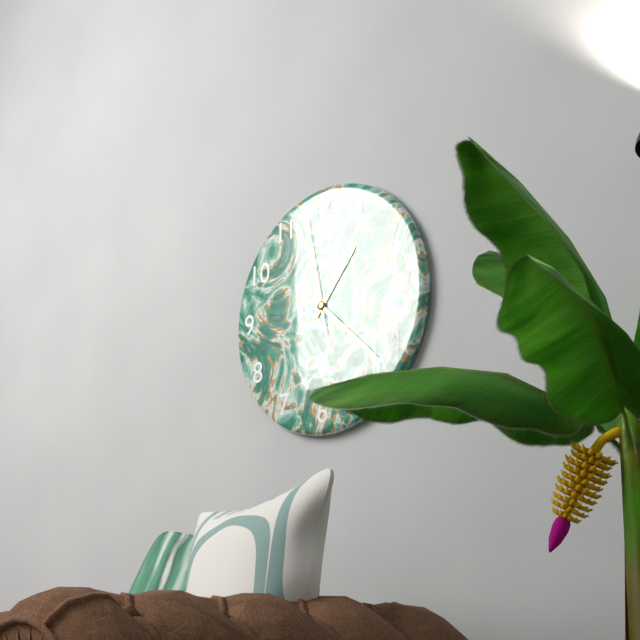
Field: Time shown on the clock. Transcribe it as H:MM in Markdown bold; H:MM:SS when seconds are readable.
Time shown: **1:22:58**
